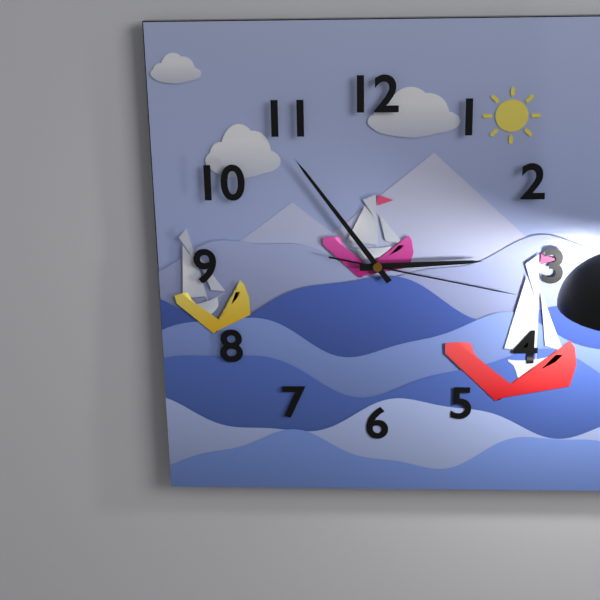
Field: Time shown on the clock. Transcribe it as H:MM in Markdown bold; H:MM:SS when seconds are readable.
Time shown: **2:54:17**
